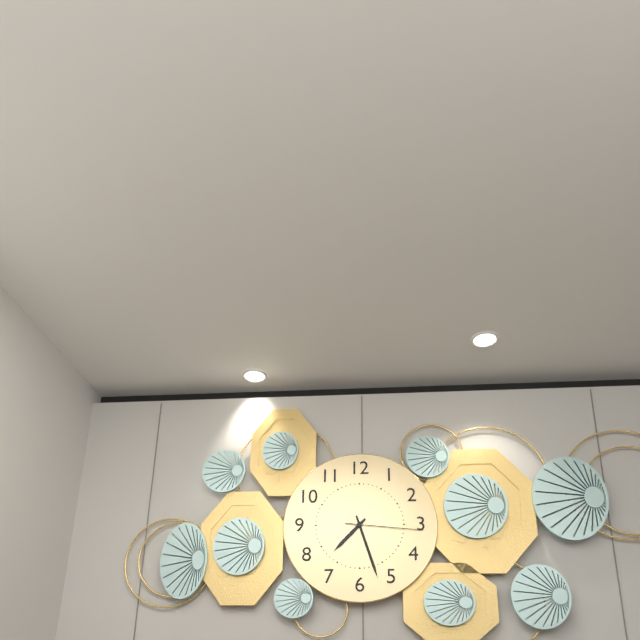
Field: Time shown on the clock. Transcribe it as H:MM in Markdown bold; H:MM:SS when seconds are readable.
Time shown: **7:27:16**
